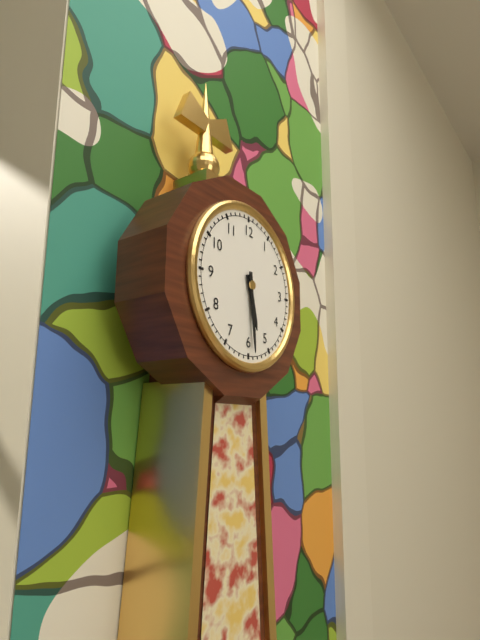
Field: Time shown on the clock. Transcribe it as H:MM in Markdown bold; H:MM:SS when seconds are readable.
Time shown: **5:29**
